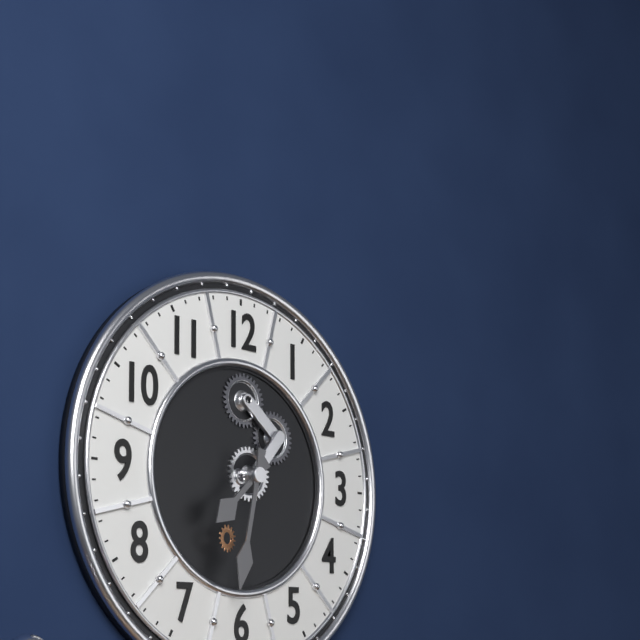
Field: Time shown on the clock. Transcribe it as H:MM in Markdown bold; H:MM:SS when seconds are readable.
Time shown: **7:32**
